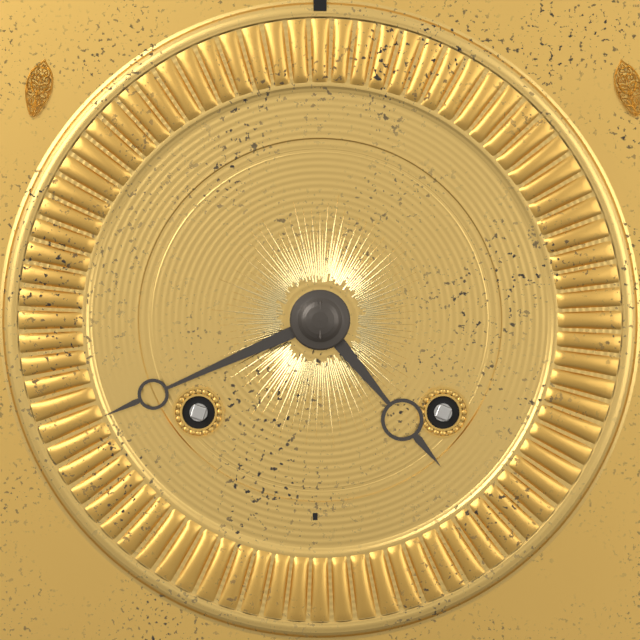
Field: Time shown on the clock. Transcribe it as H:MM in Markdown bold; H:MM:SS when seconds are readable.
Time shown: **4:41**
